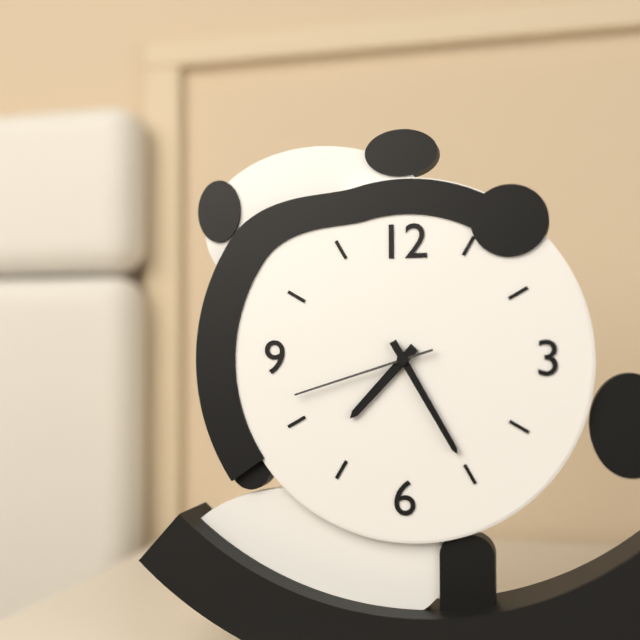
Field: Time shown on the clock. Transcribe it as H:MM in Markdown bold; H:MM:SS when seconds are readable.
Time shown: **7:25:42**
